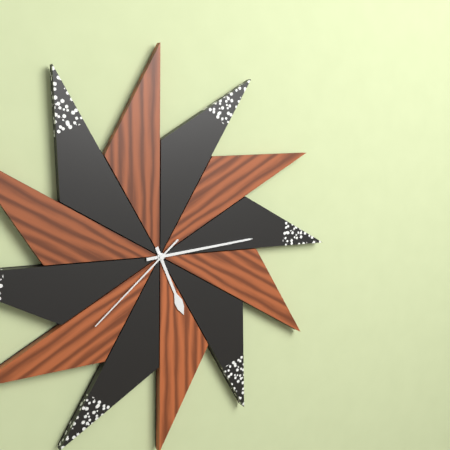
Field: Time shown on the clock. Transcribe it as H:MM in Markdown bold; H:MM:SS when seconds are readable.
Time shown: **5:14:38**
